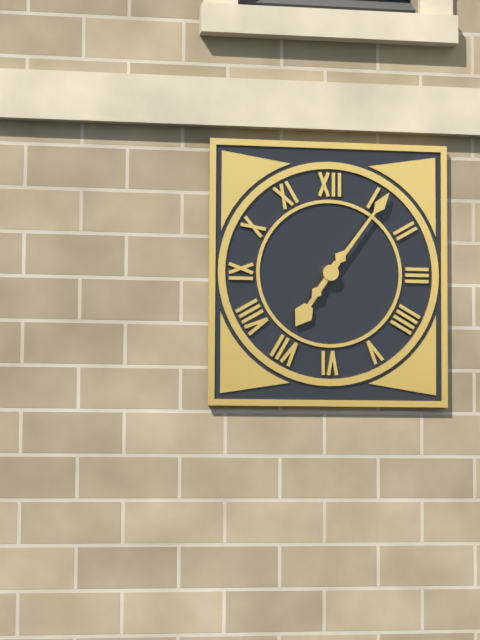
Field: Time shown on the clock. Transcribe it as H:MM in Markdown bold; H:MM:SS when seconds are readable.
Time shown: **7:06**
